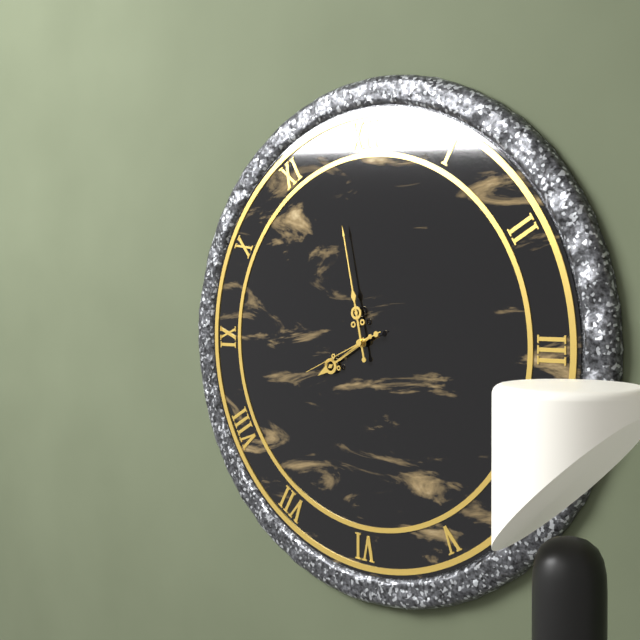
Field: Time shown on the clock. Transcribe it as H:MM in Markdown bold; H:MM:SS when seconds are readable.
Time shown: **7:58:41**
